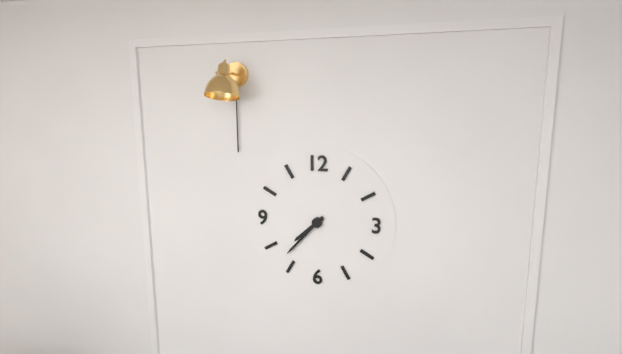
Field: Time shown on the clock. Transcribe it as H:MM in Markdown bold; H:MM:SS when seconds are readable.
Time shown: **7:37**
